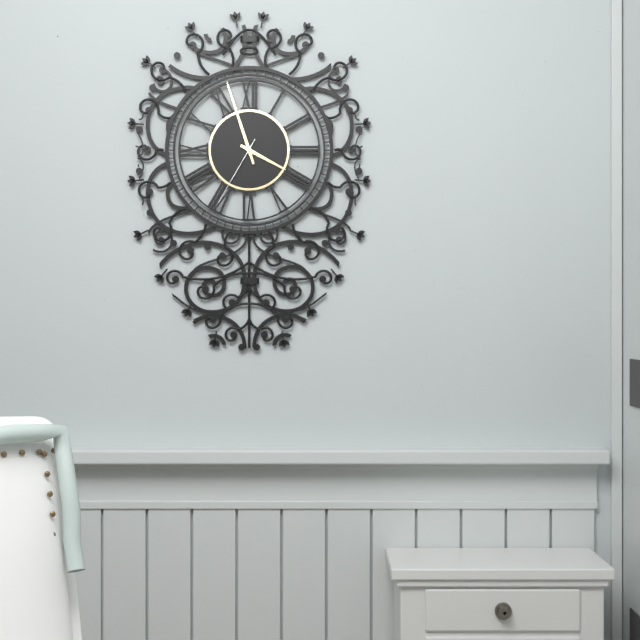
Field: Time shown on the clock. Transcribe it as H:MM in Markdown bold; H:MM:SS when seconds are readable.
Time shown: **3:57:35**
